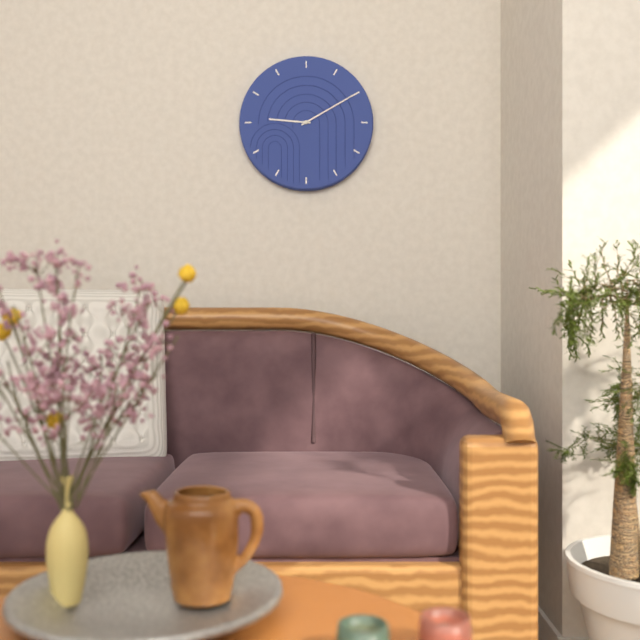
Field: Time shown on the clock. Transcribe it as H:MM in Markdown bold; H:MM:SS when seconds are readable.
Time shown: **9:10**
